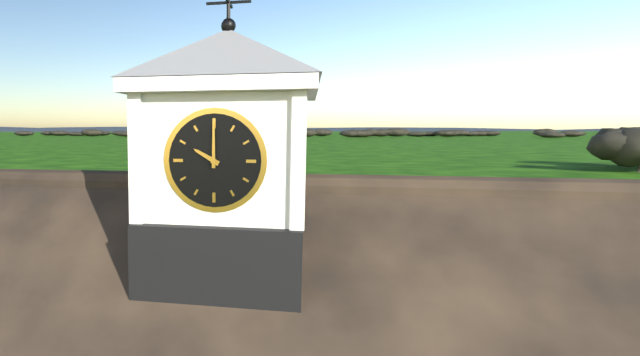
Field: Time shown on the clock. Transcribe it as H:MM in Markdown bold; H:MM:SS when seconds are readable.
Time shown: **10:00**
